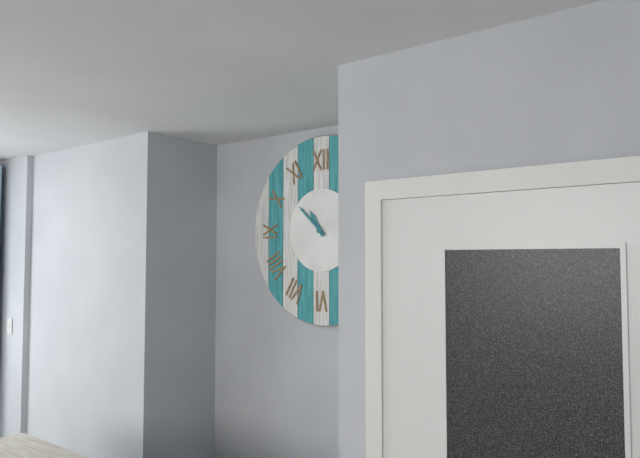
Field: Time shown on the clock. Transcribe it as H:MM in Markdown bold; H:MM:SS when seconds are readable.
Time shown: **10:52**
